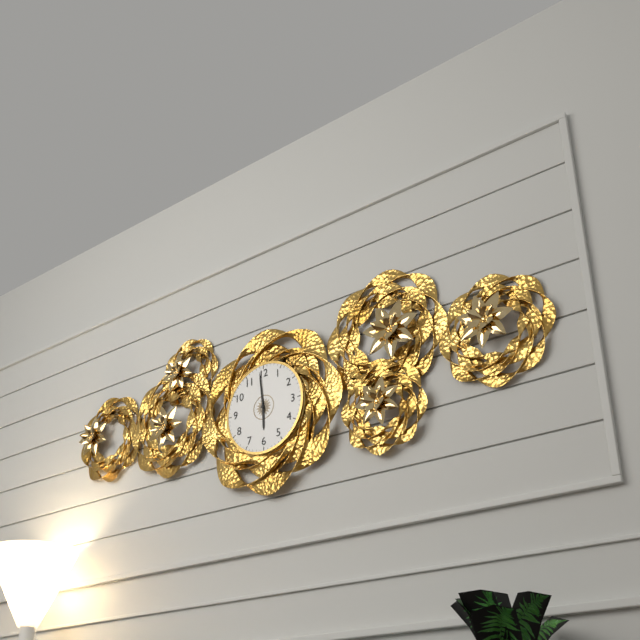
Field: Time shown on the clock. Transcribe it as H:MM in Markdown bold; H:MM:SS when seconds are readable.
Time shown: **5:59**
